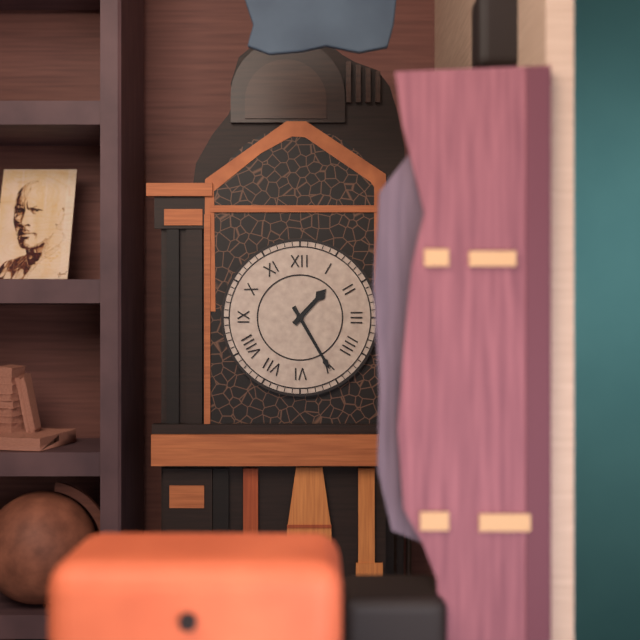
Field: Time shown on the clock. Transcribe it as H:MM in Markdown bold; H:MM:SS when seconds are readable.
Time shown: **1:25**
